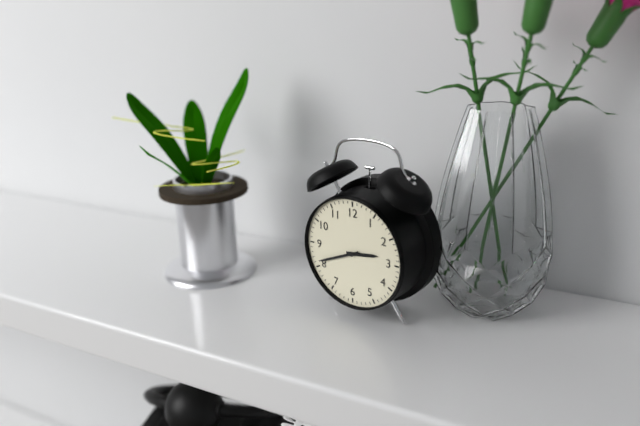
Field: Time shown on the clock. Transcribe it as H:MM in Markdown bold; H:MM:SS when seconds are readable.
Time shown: **2:41**
